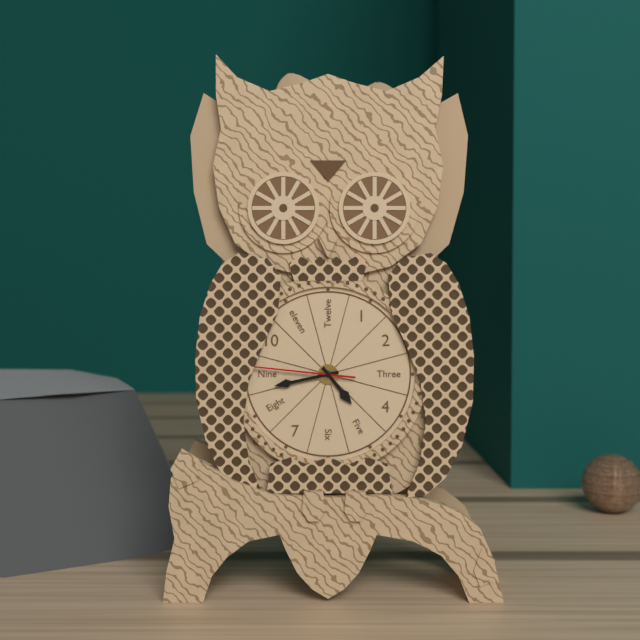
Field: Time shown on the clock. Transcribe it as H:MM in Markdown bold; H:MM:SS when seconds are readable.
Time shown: **4:43:46**
